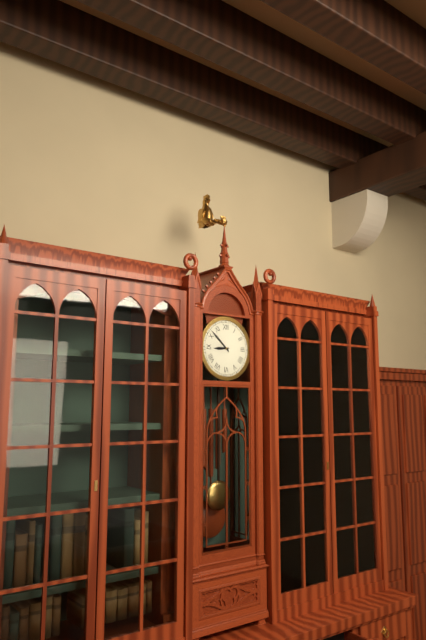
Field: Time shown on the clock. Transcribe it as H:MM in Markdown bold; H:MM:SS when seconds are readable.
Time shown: **8:52**
